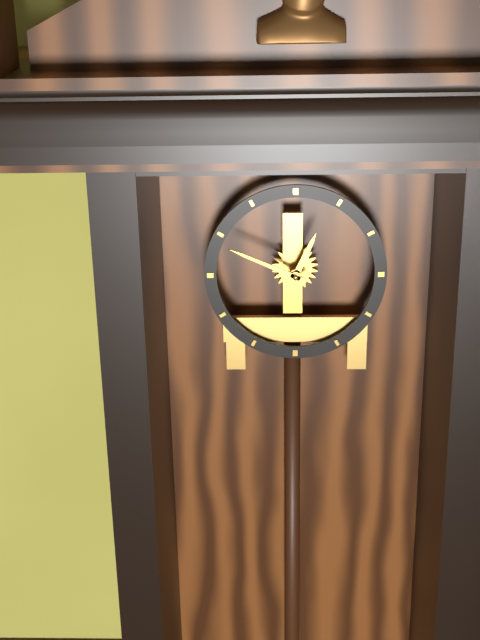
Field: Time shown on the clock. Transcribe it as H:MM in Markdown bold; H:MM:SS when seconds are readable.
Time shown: **12:49**
